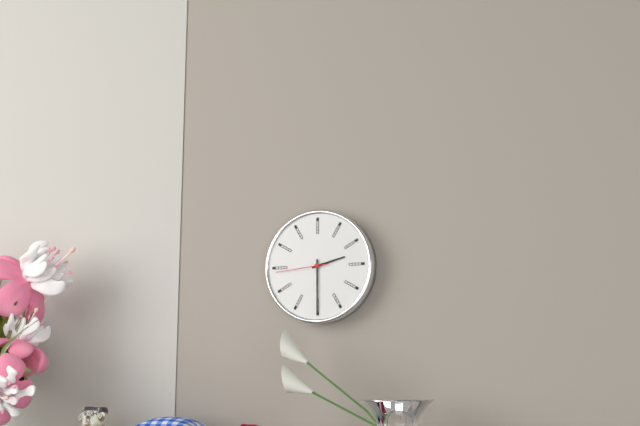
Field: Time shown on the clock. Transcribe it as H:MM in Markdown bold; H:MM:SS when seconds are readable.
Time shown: **2:30:44**
